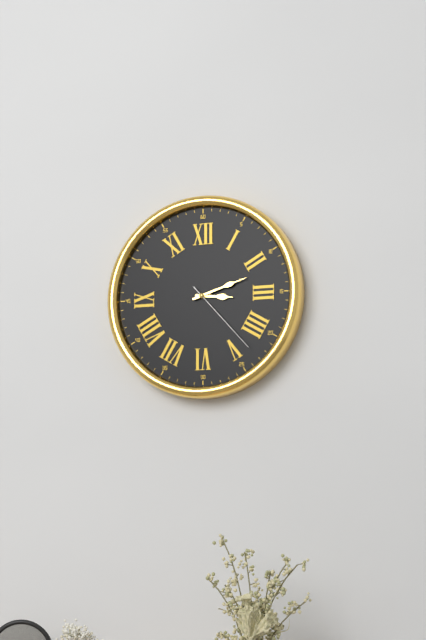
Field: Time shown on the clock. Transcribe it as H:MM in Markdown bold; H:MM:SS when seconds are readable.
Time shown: **3:12:23**
